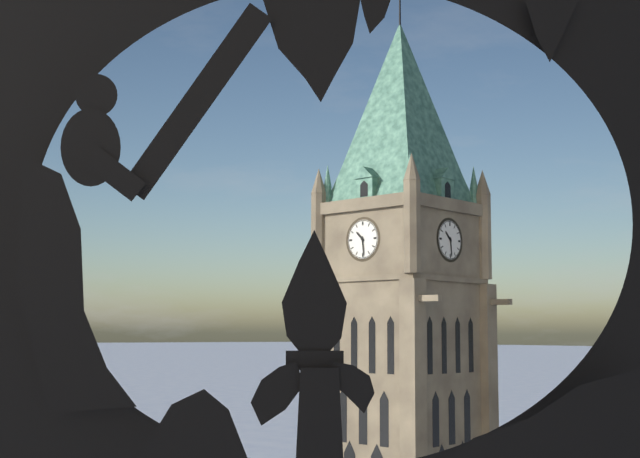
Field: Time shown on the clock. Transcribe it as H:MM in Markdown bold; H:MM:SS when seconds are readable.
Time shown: **10:29**
